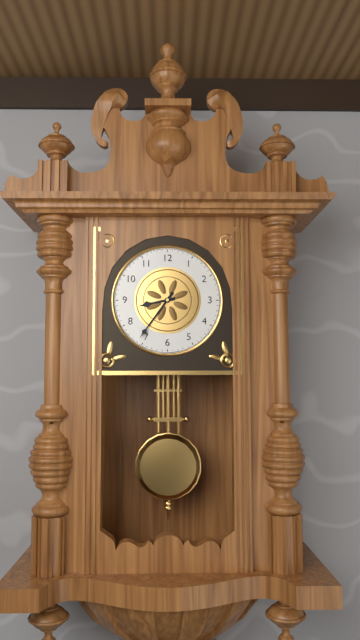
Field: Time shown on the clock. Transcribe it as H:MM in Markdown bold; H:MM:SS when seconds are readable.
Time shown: **8:36**
